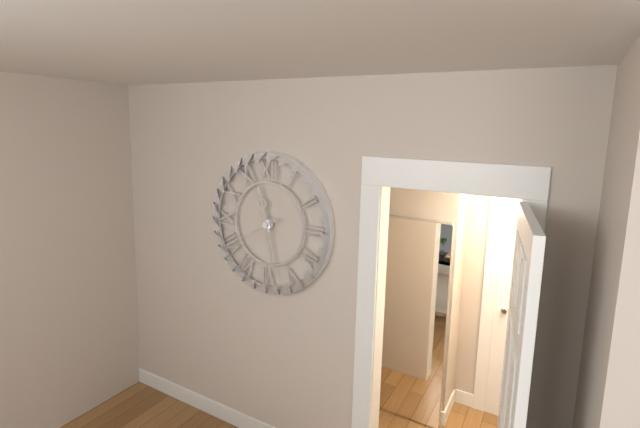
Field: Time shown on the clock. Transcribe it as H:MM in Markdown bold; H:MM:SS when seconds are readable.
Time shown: **11:28:40**
